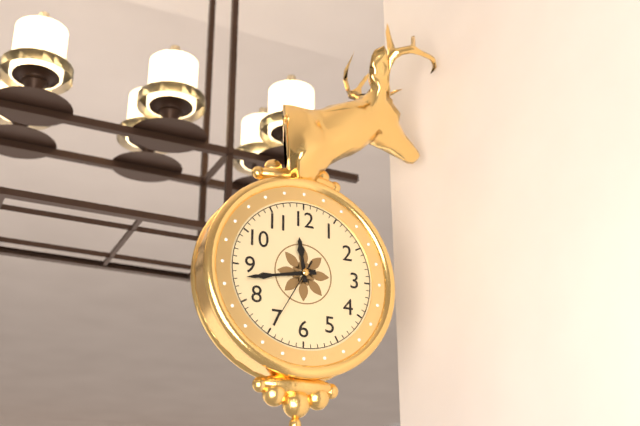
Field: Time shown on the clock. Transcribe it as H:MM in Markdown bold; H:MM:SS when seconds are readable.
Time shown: **11:43:35**
